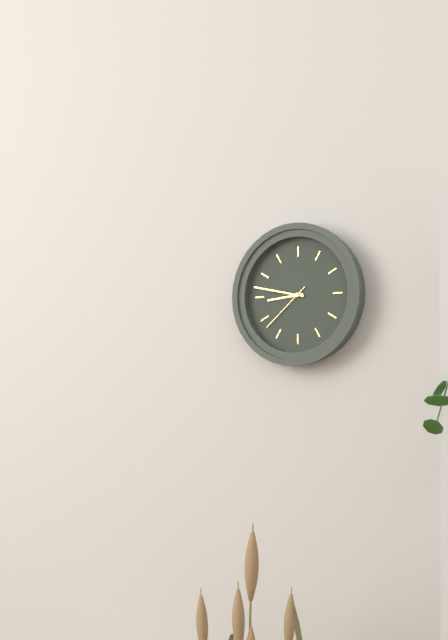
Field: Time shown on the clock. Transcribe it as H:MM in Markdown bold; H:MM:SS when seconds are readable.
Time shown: **8:47:38**
